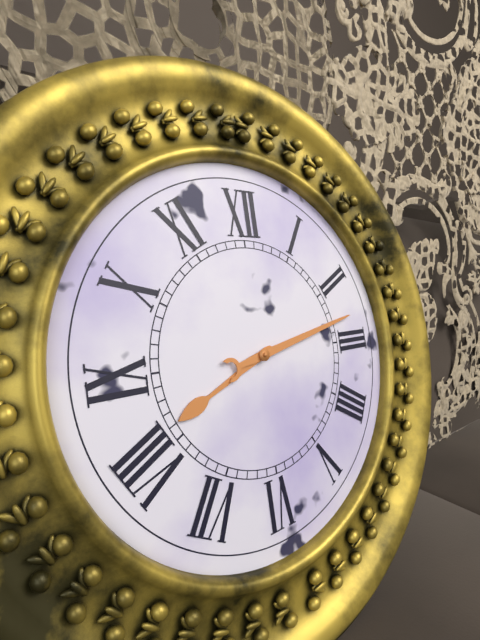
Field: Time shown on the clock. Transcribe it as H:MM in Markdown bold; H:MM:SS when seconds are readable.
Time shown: **8:13**
